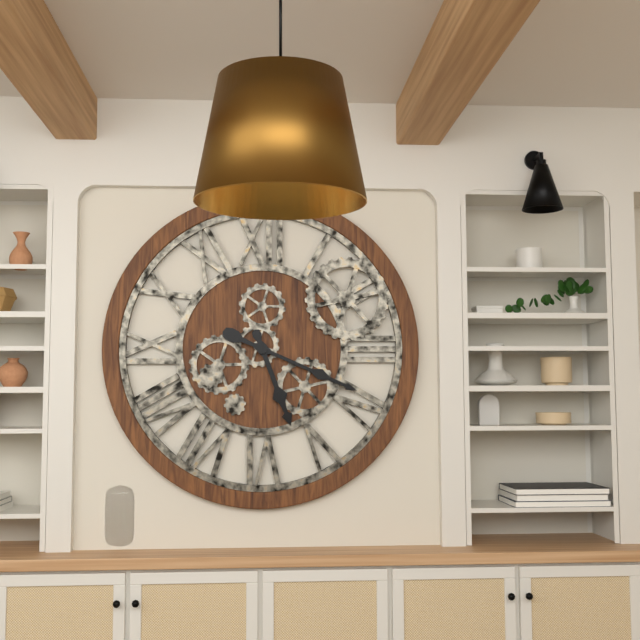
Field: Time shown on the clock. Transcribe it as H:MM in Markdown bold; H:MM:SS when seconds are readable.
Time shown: **5:19**
